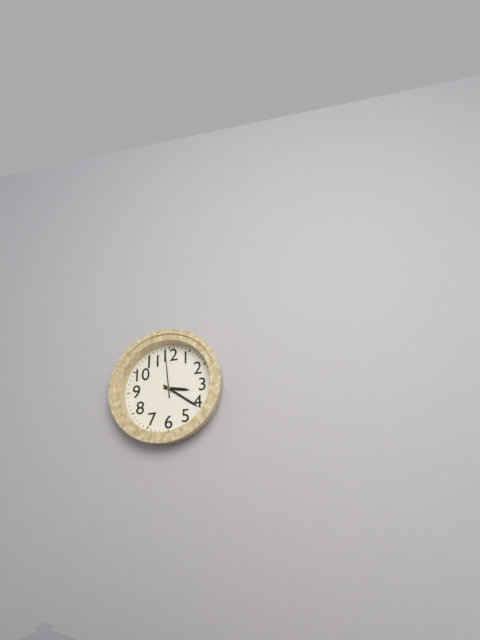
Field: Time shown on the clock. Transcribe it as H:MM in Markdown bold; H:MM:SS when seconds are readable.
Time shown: **3:21**
